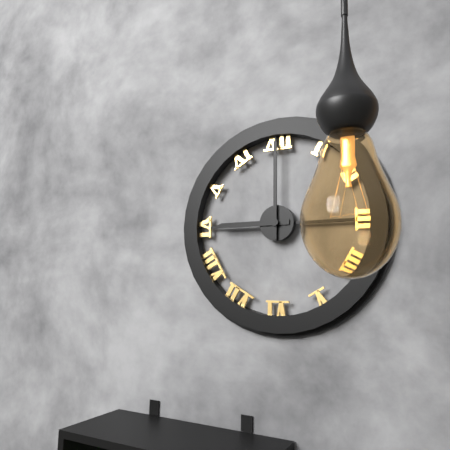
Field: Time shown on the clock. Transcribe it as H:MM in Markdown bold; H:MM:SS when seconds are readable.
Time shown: **9:00**
